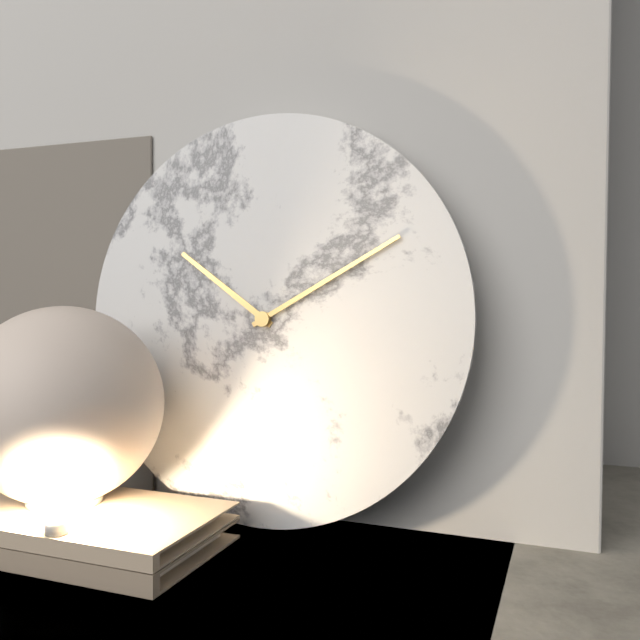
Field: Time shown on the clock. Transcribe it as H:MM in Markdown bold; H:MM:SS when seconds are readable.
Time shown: **10:10**
